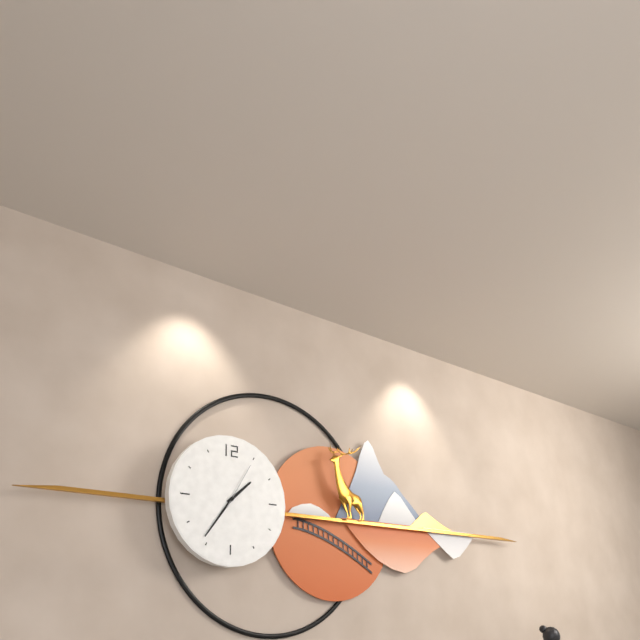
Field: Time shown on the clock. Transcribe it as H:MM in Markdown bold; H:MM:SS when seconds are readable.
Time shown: **1:36**
